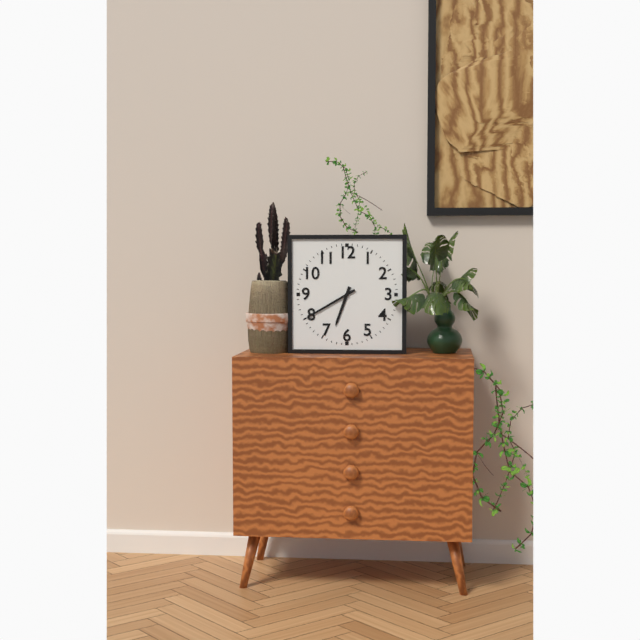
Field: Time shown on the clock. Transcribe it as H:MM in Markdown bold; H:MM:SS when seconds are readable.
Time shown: **6:40**
